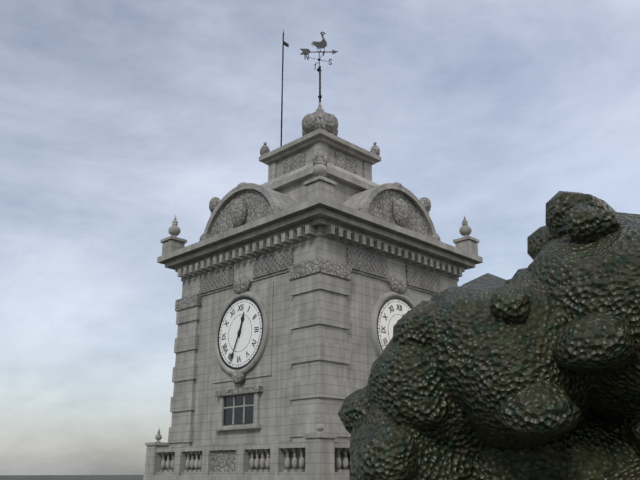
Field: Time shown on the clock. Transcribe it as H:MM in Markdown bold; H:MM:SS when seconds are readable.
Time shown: **12:34**
